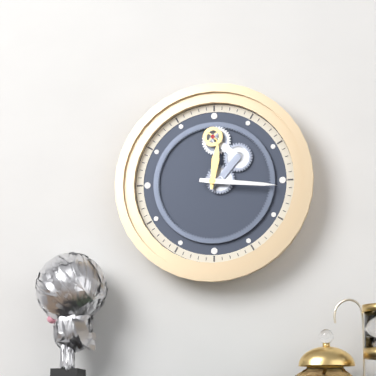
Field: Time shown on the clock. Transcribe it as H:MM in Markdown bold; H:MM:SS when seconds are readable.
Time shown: **12:16**
